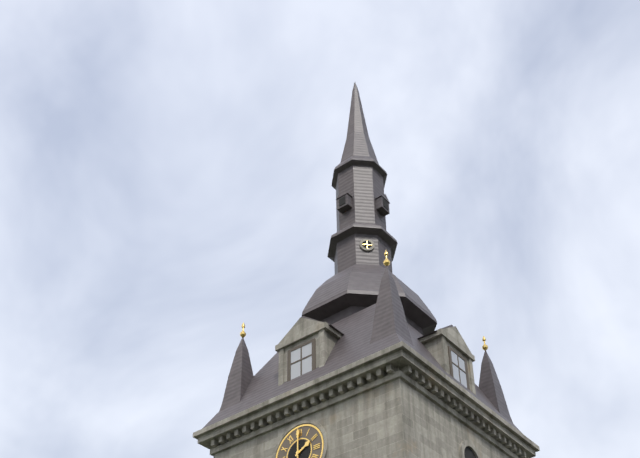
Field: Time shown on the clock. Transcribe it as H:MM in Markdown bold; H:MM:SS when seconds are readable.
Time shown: **2:00**
